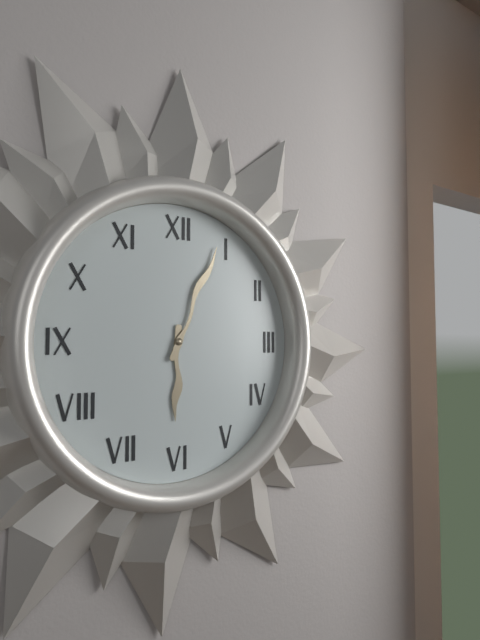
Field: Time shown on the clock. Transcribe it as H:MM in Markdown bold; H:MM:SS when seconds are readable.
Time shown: **6:04**
